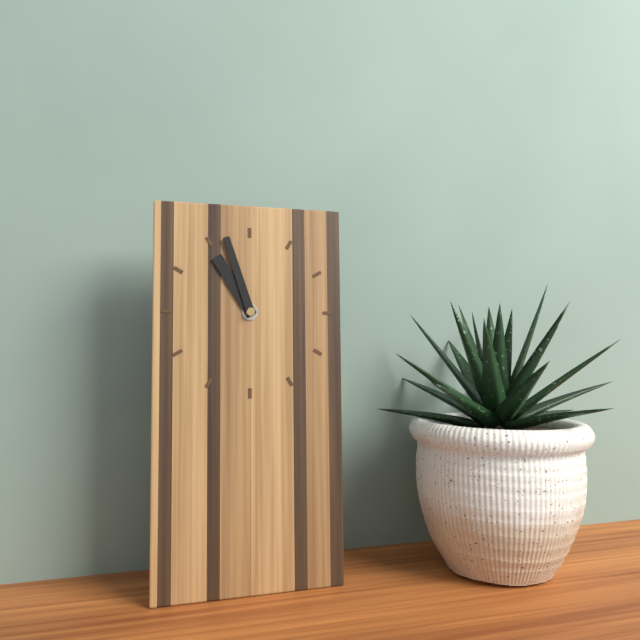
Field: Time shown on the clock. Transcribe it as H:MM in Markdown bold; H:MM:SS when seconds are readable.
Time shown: **10:57**
